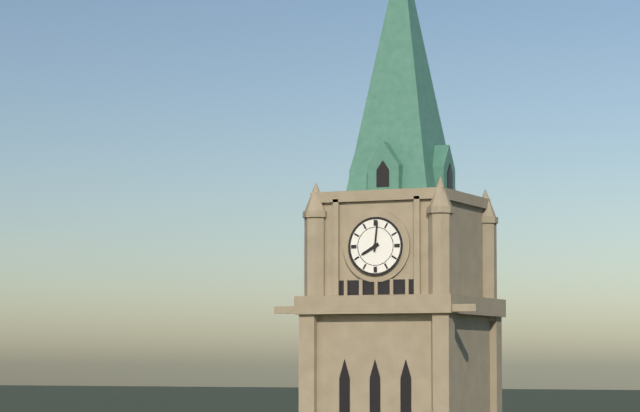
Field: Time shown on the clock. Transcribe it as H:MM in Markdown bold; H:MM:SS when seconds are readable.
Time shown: **8:01**
